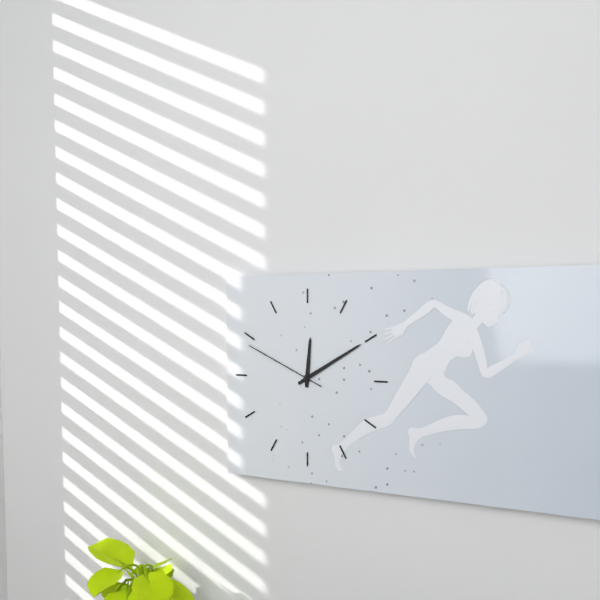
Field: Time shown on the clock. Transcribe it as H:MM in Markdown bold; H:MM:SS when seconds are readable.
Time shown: **12:10:49**
